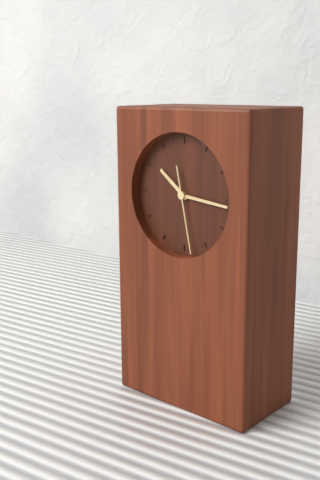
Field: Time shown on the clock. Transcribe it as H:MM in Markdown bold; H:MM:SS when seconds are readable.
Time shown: **10:16:28**
